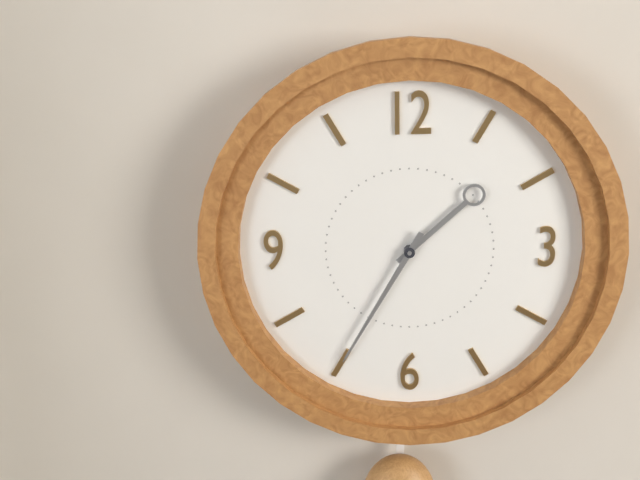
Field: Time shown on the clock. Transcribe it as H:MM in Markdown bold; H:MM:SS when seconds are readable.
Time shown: **1:35**
